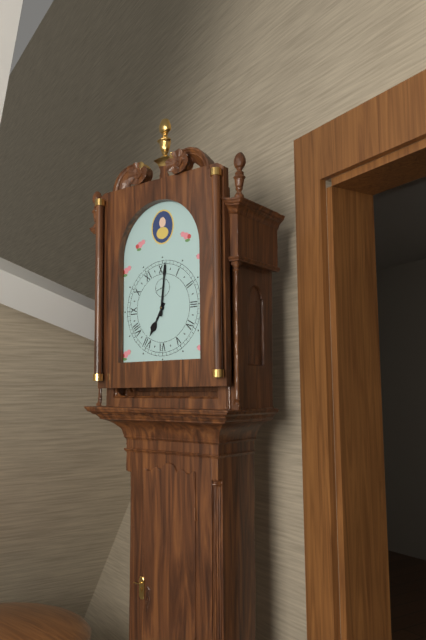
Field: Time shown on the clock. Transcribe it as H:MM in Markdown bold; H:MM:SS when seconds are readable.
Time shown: **7:01**
